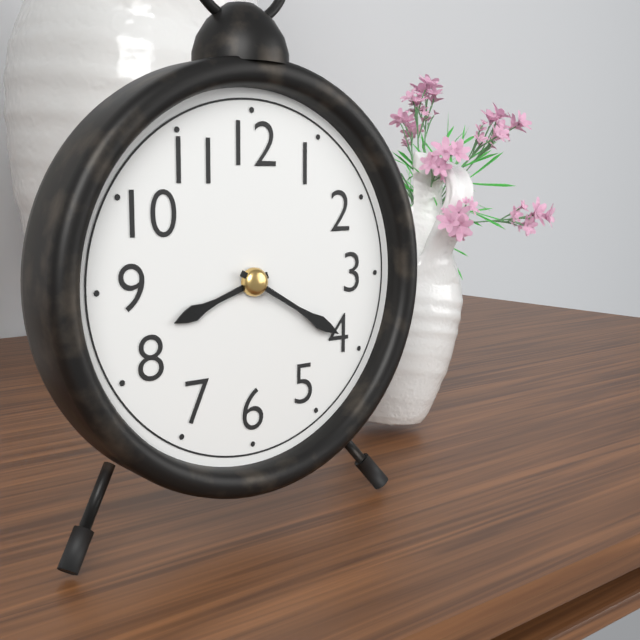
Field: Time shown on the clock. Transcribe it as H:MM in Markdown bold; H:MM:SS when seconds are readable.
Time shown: **8:20**
